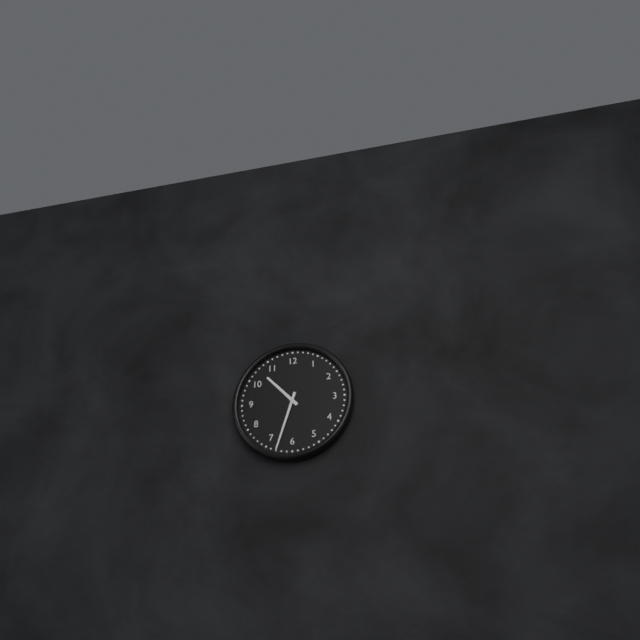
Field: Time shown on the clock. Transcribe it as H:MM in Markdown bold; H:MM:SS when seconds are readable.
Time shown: **10:33**
